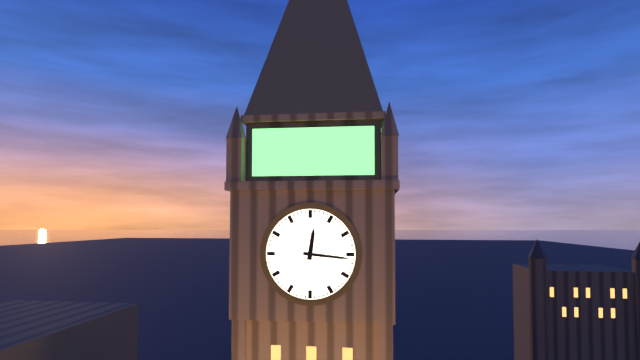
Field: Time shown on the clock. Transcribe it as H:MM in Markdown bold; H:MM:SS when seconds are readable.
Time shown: **12:16**
